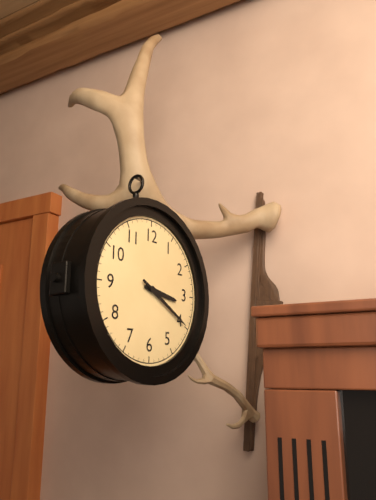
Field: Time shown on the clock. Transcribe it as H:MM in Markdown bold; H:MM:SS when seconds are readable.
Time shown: **3:20**
